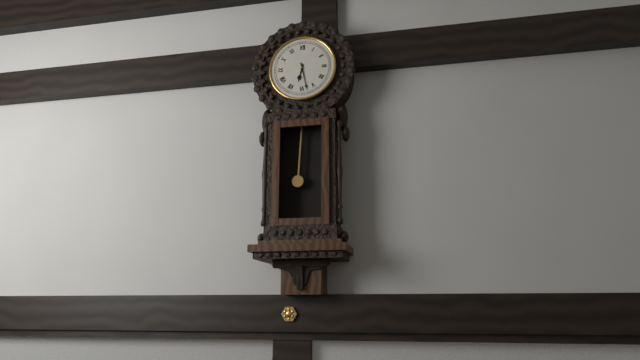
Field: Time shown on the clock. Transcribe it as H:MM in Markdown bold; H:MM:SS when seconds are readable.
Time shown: **6:28**
